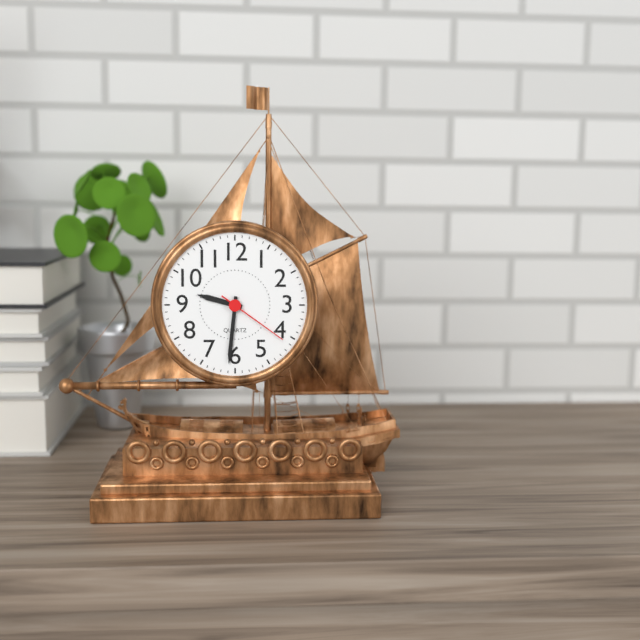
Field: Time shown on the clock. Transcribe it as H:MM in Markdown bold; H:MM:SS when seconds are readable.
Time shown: **9:31:21**
